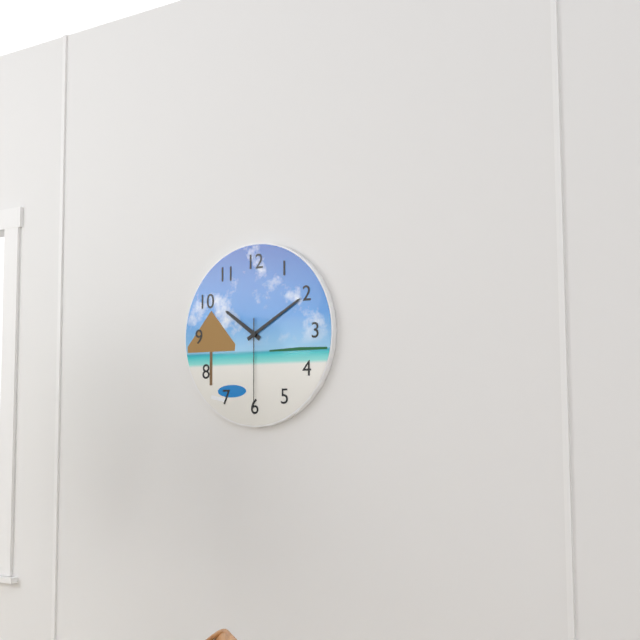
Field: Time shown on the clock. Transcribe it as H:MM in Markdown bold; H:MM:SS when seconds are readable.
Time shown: **10:10:30**
